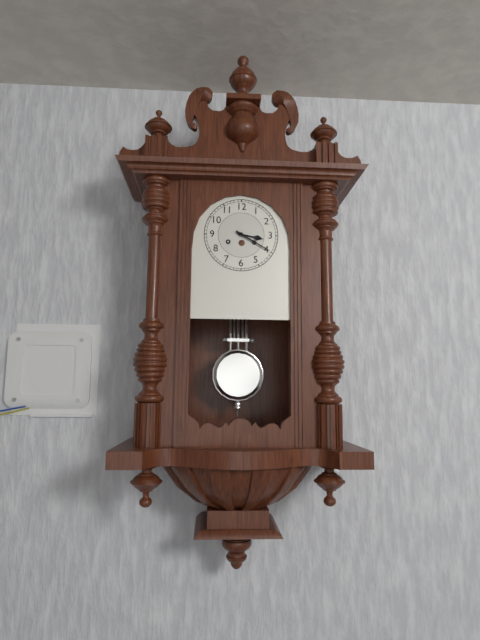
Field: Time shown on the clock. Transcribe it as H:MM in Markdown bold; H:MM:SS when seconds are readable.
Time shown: **3:20**
